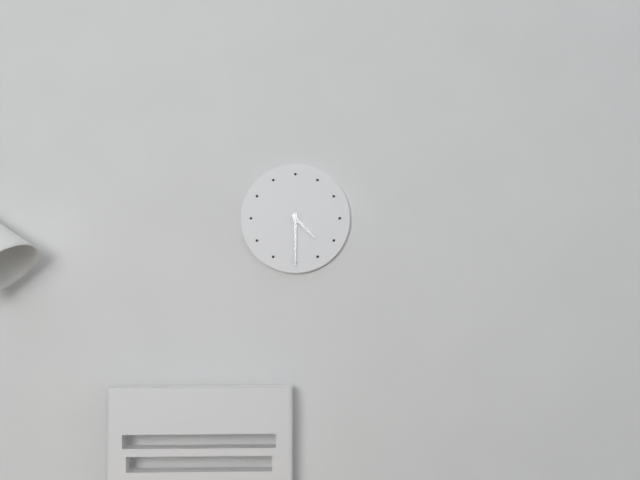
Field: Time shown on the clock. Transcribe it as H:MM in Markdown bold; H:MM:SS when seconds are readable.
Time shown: **4:30**
